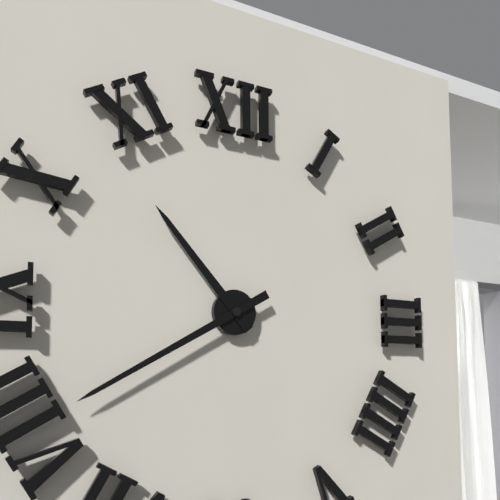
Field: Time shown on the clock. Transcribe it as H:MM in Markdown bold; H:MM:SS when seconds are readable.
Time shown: **10:40**
